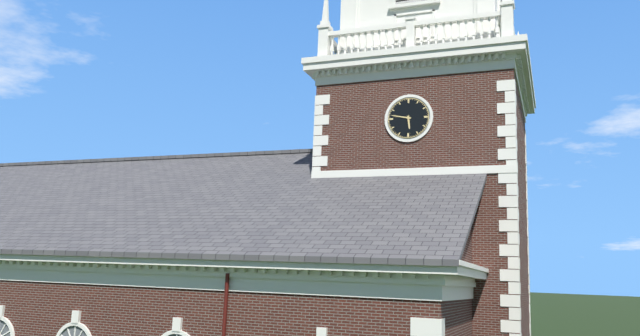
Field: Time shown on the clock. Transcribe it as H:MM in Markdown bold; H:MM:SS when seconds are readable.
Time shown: **5:47**
